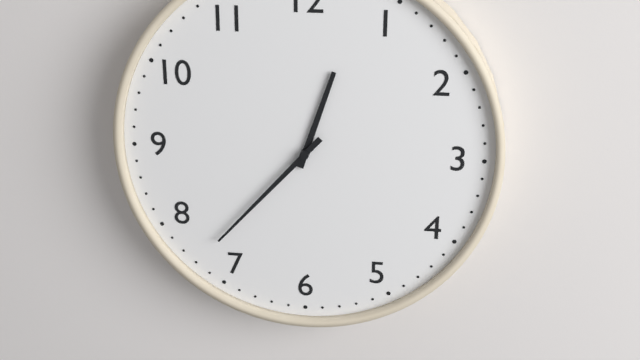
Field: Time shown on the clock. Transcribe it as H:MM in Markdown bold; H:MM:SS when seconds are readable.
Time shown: **12:37**
